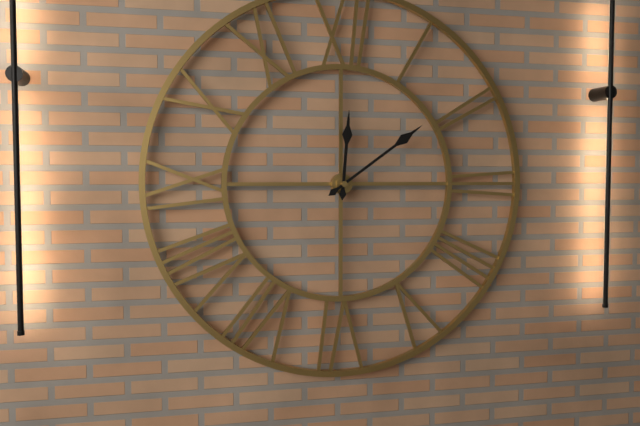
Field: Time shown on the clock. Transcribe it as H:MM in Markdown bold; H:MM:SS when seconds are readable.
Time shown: **12:09**
